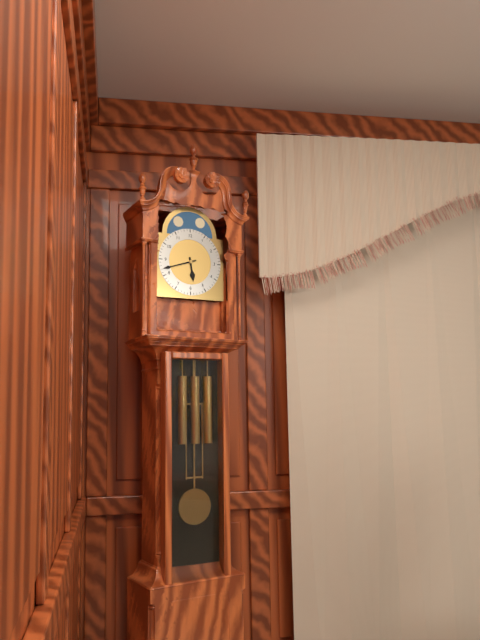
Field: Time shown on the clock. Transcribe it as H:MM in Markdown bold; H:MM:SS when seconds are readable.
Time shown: **5:42**
